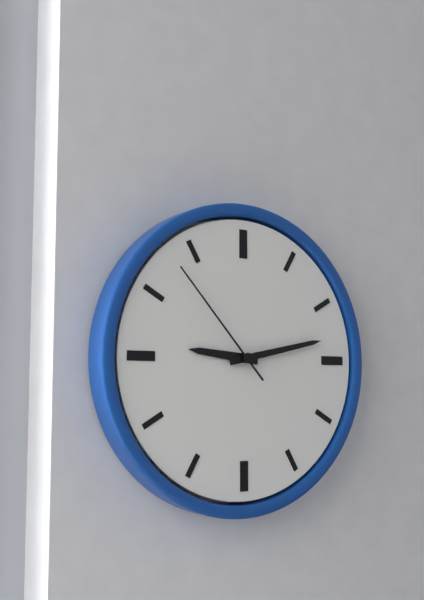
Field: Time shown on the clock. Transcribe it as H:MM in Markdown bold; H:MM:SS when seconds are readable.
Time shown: **9:13:53**
